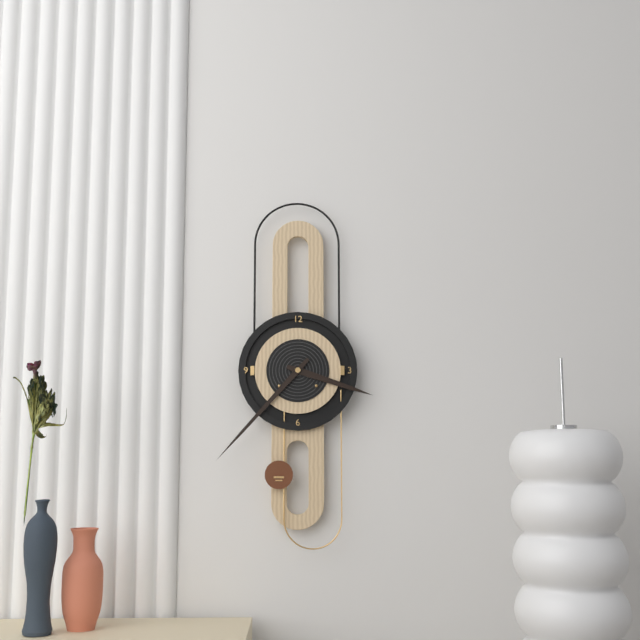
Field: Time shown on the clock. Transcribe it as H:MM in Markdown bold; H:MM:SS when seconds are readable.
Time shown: **3:37**
